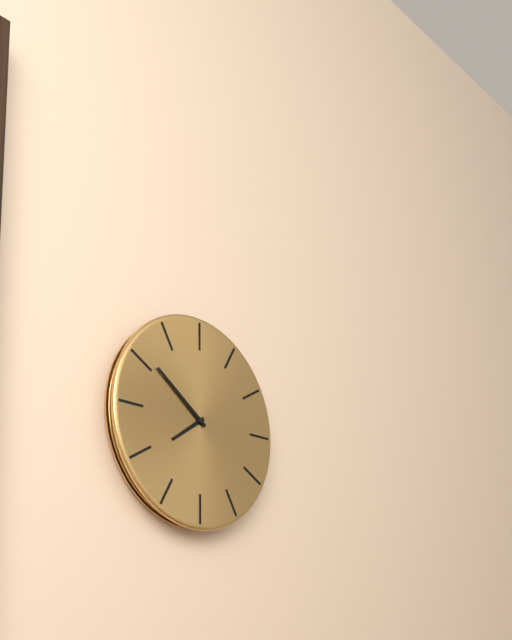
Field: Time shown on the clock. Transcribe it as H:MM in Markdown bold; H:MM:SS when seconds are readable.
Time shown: **7:51**
